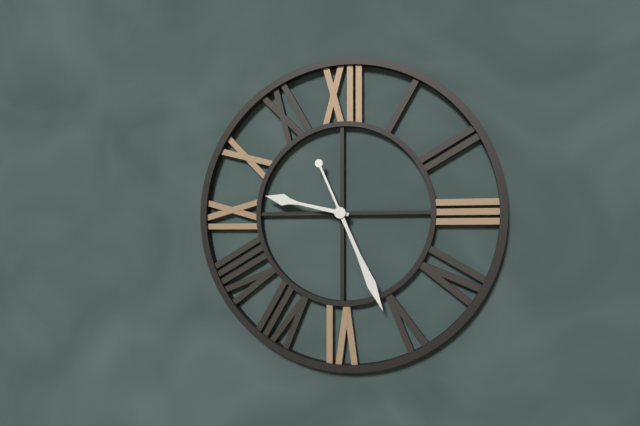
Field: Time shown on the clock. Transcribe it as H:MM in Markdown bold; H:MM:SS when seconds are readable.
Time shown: **9:26**
